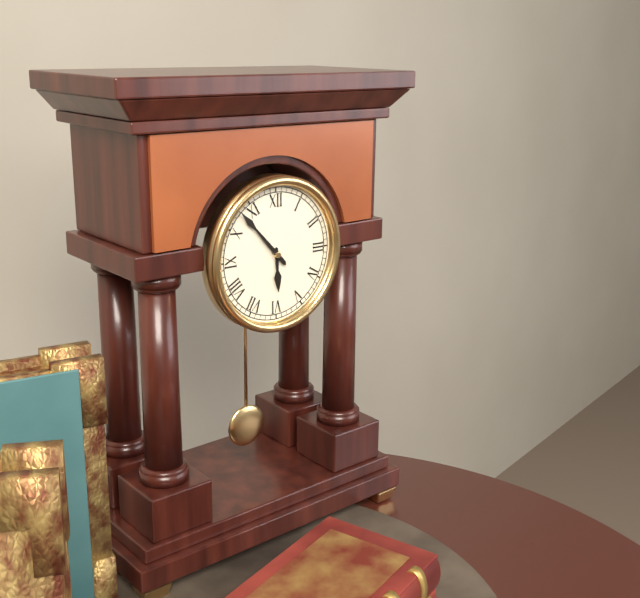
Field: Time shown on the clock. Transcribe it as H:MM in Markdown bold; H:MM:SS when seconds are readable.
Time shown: **5:53**
